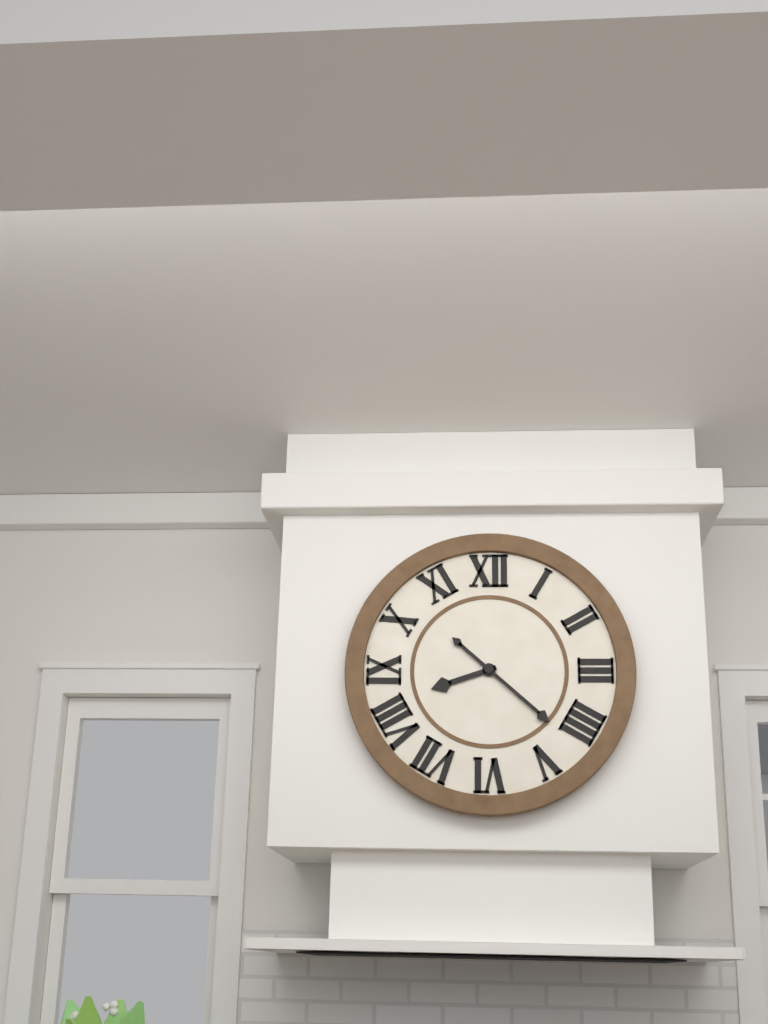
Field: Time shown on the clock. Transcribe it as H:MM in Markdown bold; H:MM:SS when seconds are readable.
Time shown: **8:22**
